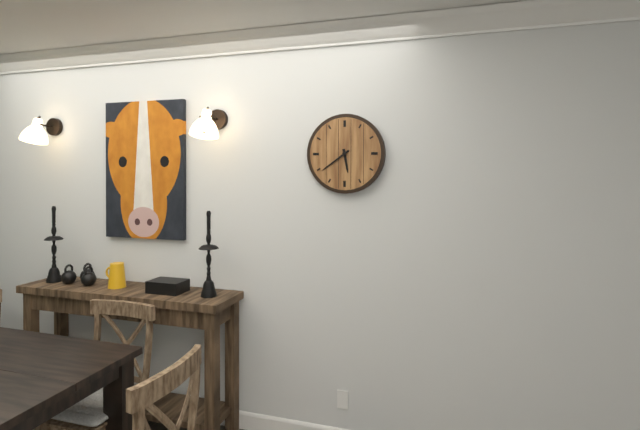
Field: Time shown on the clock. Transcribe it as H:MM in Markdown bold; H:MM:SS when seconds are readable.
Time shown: **5:39**
